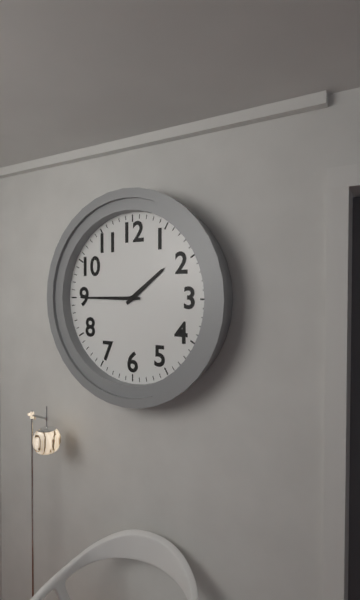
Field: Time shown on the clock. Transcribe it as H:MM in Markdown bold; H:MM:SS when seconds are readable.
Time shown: **1:45**
